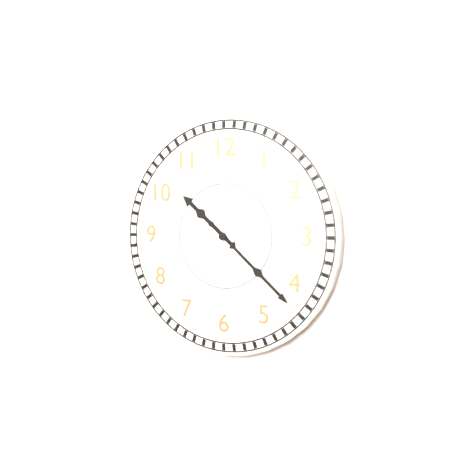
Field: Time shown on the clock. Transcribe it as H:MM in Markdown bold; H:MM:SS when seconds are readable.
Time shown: **10:22**
